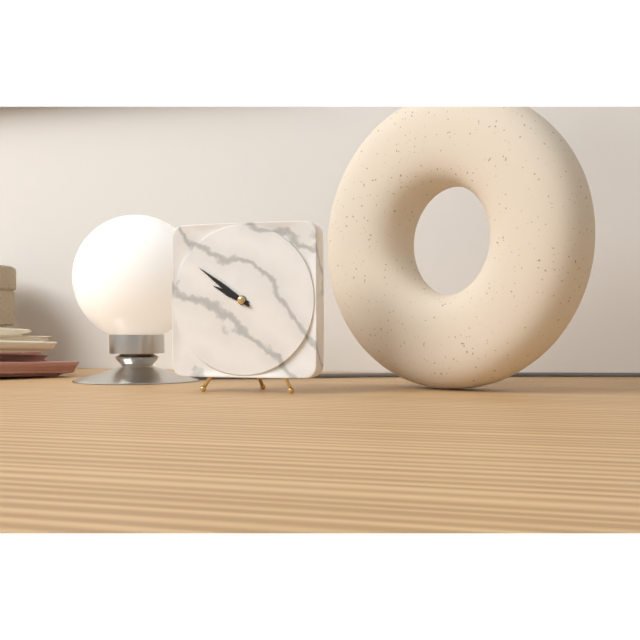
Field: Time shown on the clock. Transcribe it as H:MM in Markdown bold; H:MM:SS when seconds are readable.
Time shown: **9:51**
